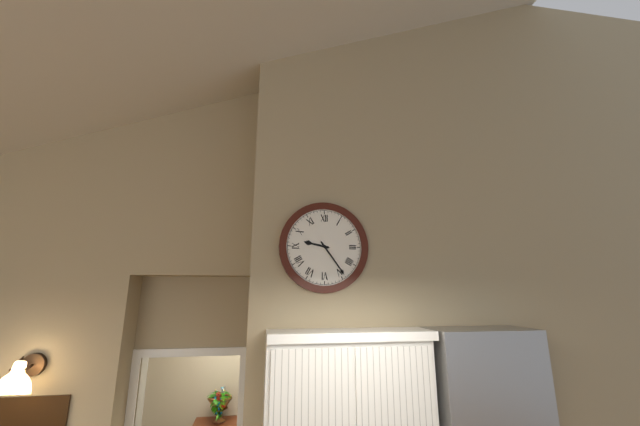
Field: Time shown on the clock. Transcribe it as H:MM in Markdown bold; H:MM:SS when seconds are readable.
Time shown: **9:24**
